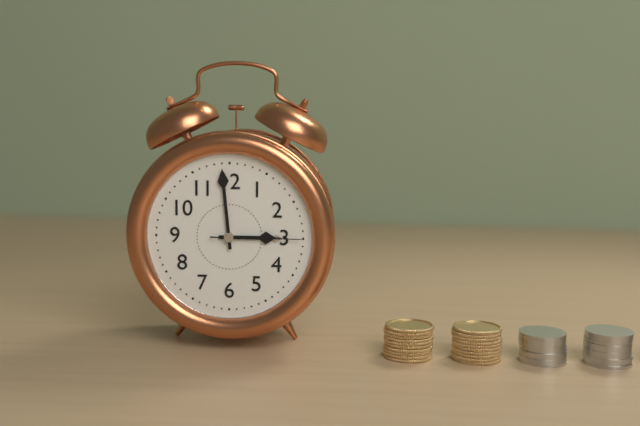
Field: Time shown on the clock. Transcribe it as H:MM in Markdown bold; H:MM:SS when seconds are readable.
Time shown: **2:59:15**
